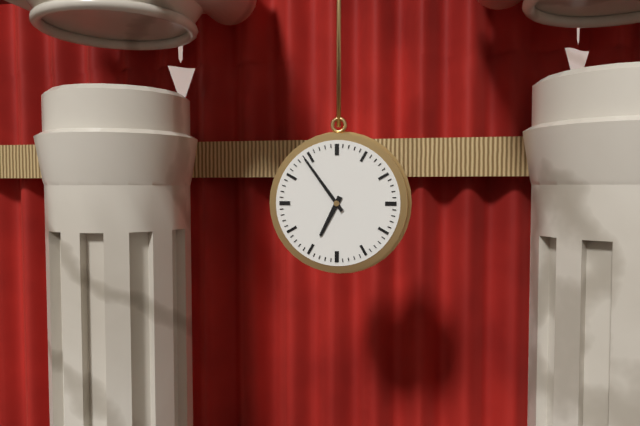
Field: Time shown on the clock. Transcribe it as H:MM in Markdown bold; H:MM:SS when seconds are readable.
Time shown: **6:54**
